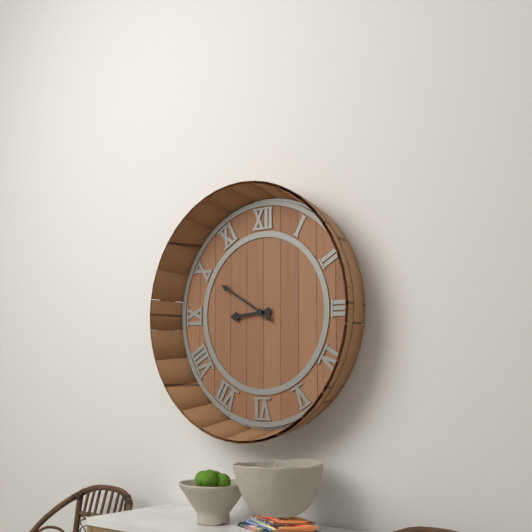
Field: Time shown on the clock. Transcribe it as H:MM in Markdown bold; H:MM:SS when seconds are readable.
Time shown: **8:50**
